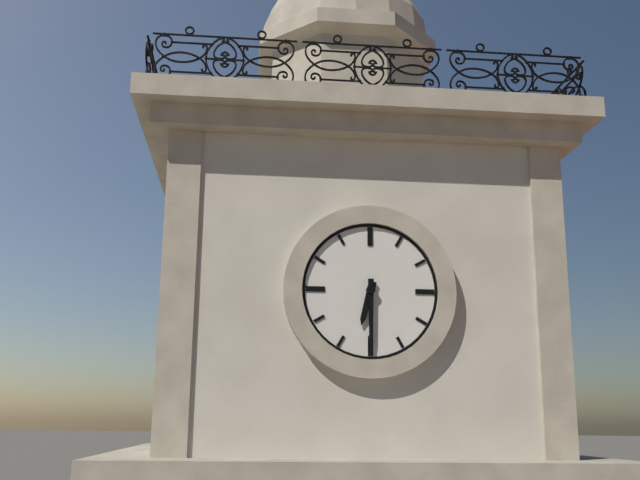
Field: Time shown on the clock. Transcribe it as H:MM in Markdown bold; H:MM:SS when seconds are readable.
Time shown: **6:30**
